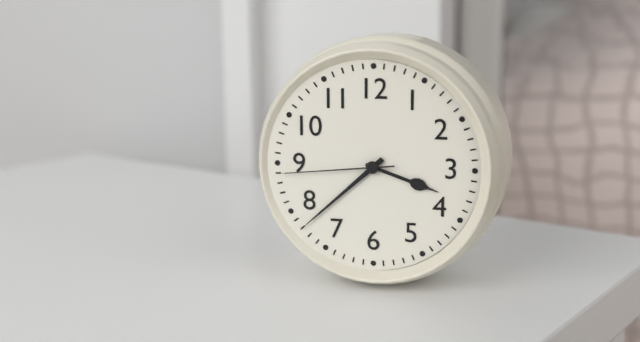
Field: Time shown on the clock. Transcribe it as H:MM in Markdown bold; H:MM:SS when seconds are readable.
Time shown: **3:38:44**
